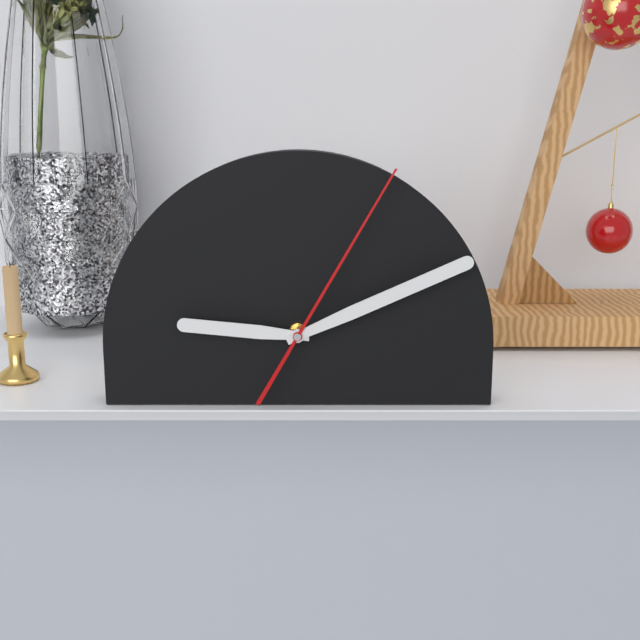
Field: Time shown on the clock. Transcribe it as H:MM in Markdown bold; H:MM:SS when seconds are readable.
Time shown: **9:11:05**
